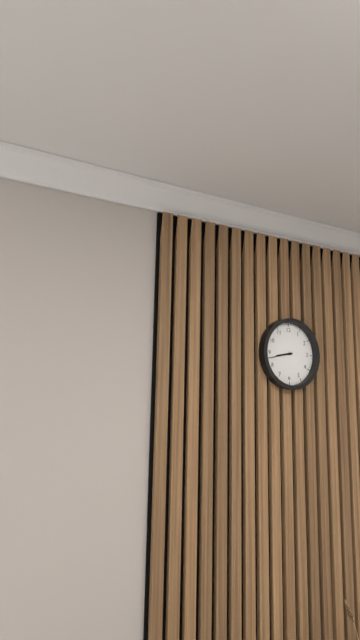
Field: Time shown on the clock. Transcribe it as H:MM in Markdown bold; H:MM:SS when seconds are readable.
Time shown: **8:43**
